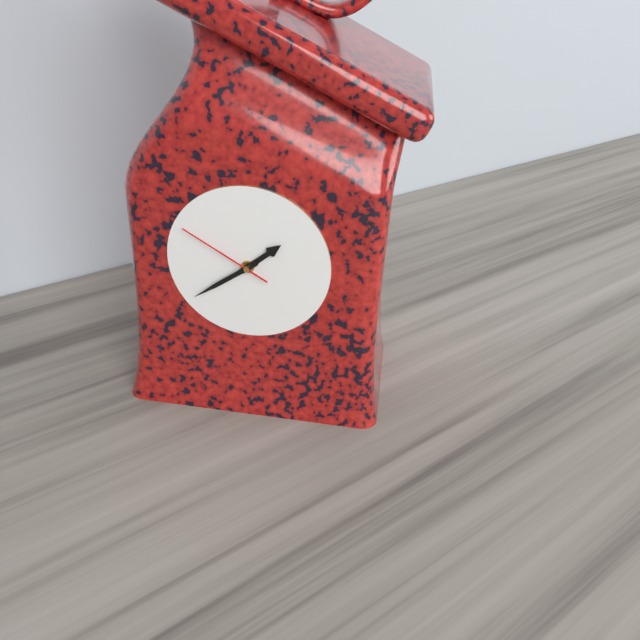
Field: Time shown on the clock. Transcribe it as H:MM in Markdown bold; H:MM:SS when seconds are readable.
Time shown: **1:39:50**
